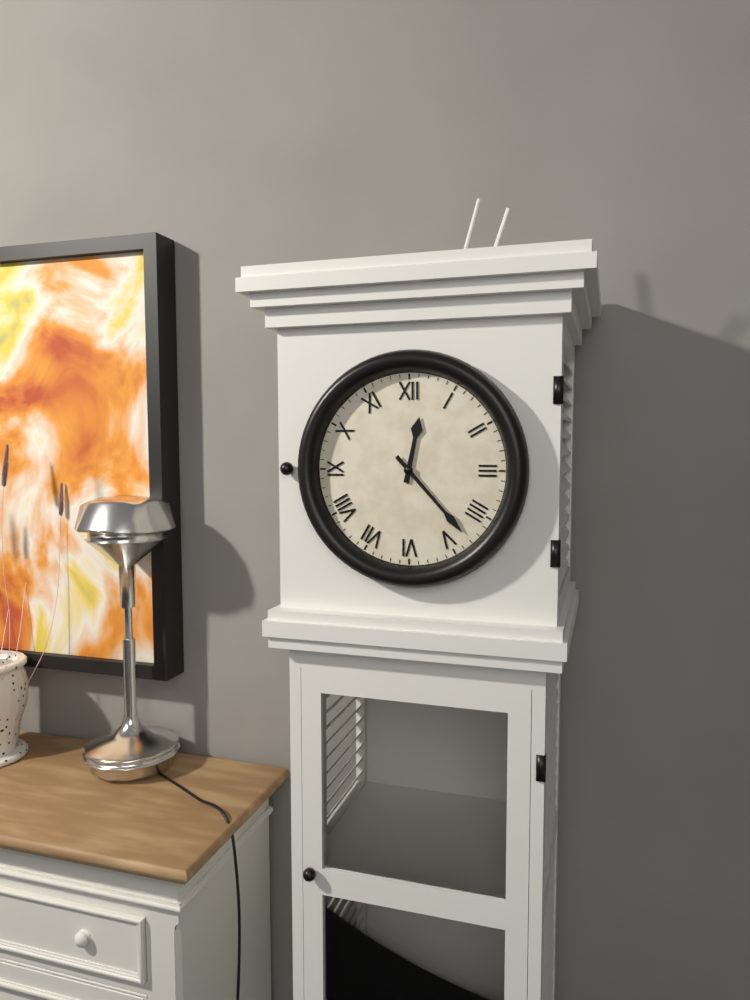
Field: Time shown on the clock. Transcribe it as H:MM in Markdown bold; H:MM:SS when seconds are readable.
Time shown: **12:23**
